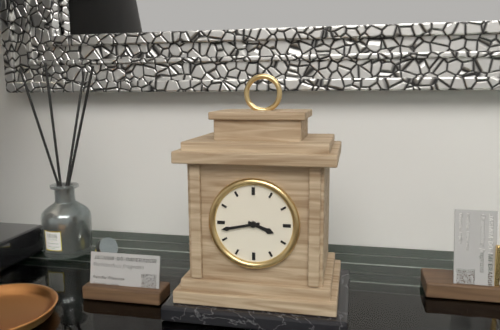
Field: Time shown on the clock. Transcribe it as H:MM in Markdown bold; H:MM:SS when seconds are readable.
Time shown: **3:43**
